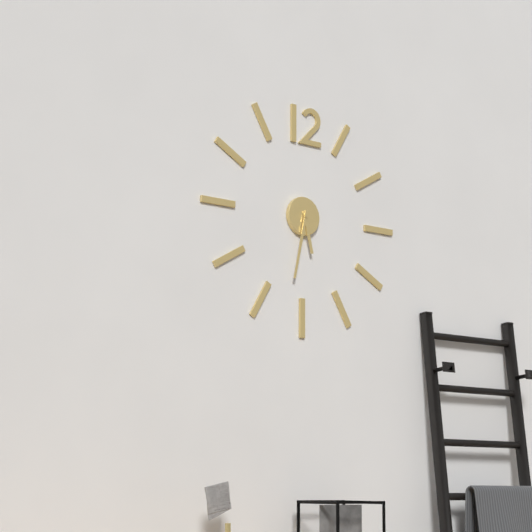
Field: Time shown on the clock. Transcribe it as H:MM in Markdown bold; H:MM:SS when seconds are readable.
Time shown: **5:32**
